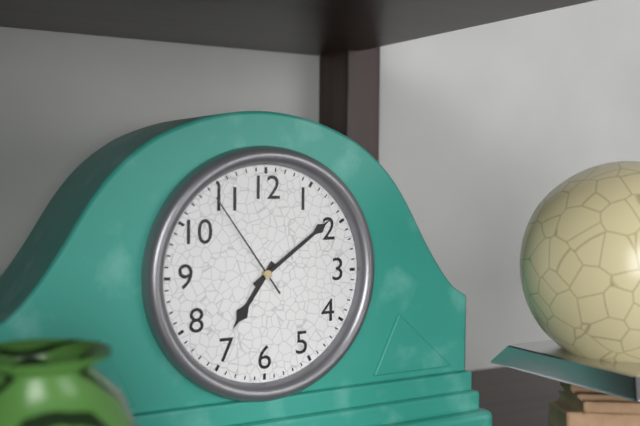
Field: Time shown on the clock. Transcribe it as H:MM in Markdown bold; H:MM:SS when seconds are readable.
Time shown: **7:09:54**
